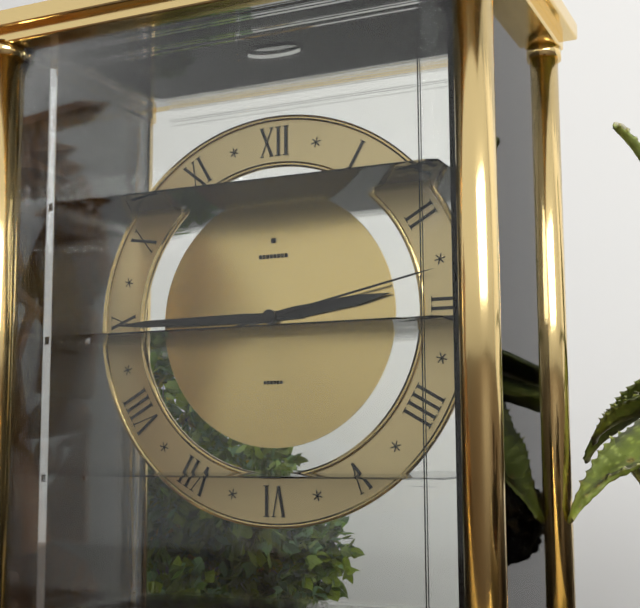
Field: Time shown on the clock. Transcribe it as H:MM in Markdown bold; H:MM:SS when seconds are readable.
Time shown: **2:45:13**
